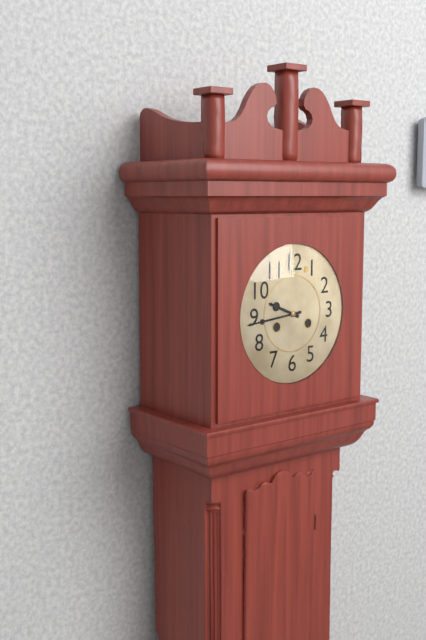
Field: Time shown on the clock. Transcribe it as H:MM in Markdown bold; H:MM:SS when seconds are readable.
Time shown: **9:44**
